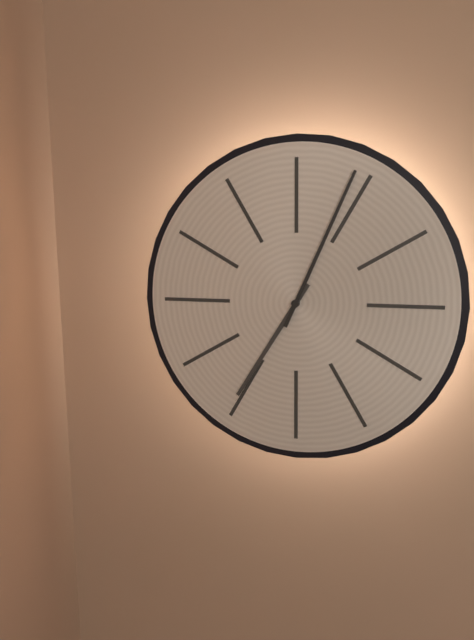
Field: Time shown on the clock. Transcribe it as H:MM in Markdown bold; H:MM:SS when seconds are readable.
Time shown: **7:04**
